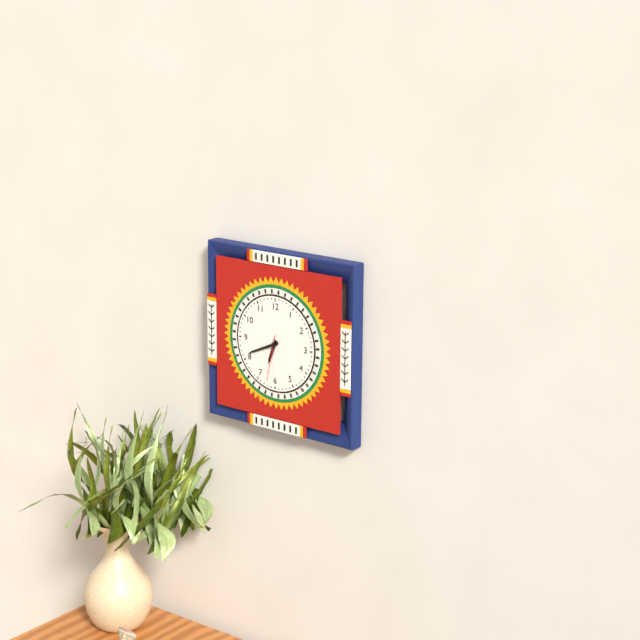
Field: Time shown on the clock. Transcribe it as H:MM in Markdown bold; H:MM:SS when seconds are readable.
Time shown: **6:41**
